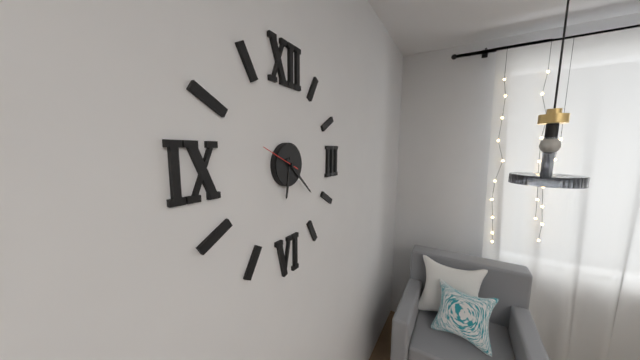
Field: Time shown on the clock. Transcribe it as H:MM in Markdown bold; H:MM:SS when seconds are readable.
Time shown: **6:22**
